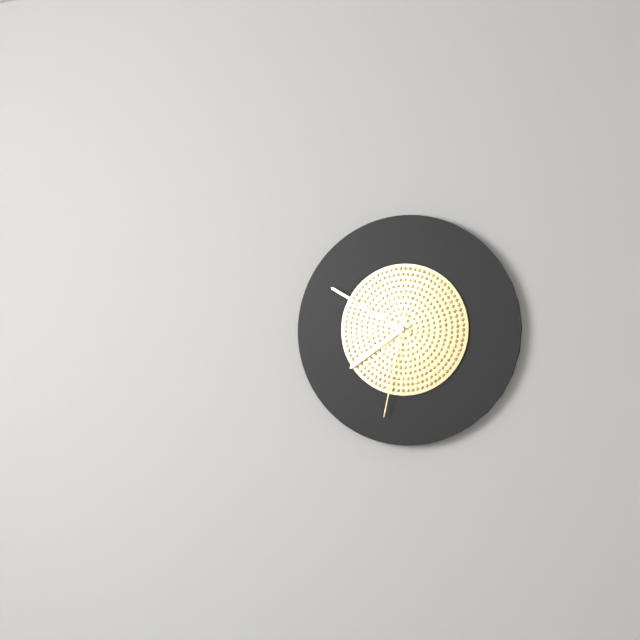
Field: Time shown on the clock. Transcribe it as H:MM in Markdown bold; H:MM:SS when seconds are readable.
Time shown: **7:50:32**
